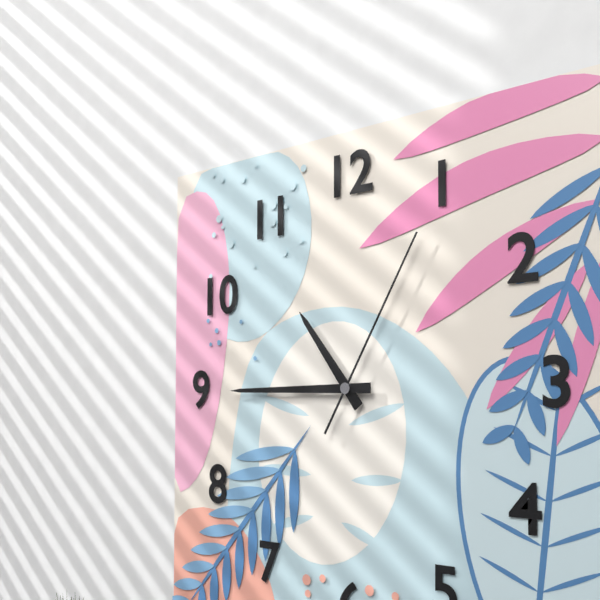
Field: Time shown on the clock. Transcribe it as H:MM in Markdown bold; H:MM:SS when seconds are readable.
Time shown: **10:45:05**
